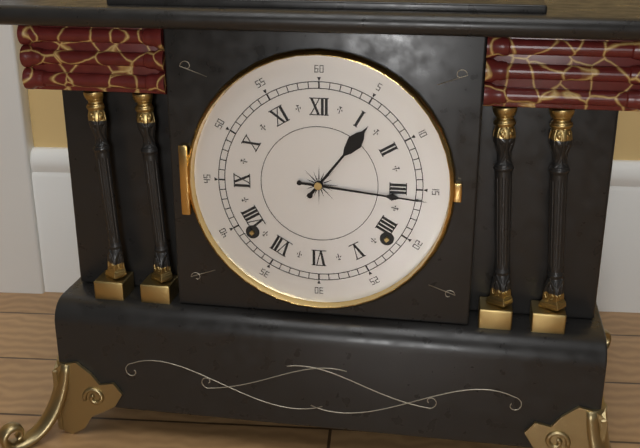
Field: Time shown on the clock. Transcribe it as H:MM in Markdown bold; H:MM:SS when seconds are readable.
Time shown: **1:16**
